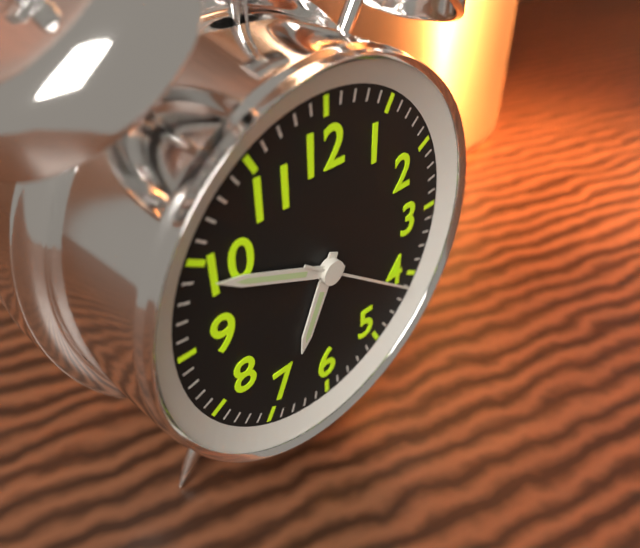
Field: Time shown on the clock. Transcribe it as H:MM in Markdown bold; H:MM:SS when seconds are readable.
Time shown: **6:49:21**
